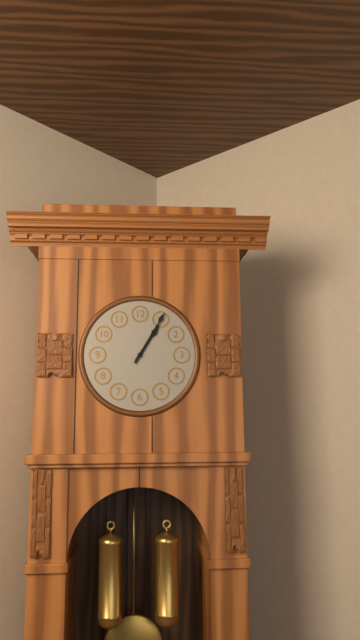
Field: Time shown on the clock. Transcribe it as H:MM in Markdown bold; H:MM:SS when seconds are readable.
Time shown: **1:05**
